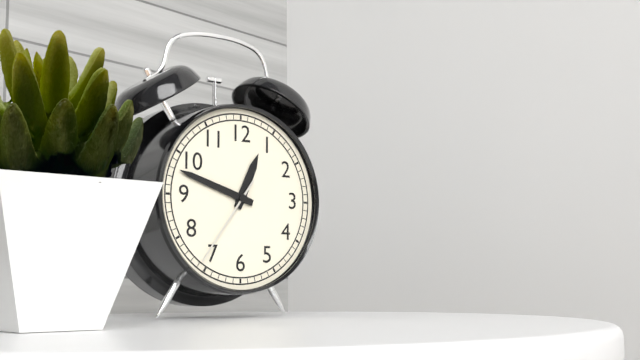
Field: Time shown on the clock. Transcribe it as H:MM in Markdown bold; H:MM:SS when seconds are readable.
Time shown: **12:48:36**
